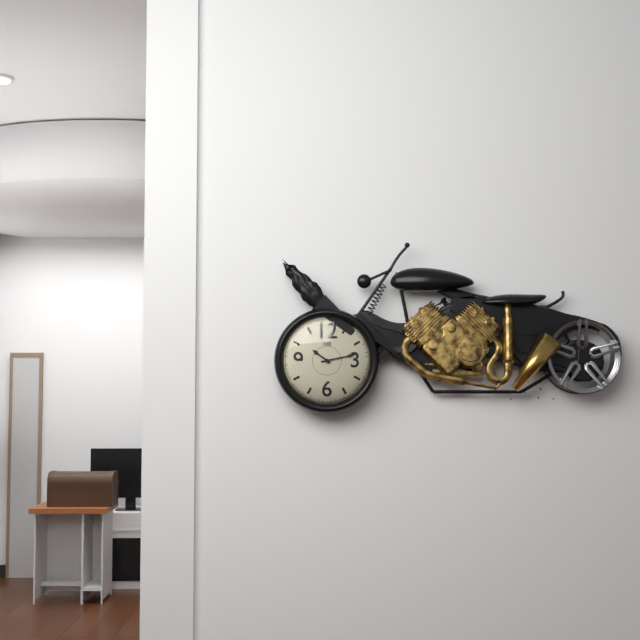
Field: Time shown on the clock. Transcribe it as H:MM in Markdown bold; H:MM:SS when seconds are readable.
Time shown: **10:13**
